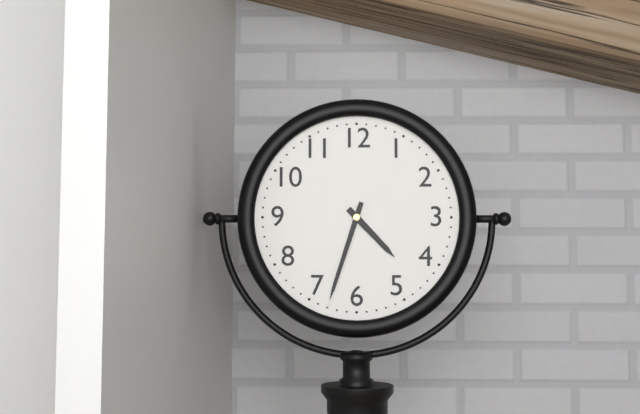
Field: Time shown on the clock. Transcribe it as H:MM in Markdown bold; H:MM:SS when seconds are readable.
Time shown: **4:33**
